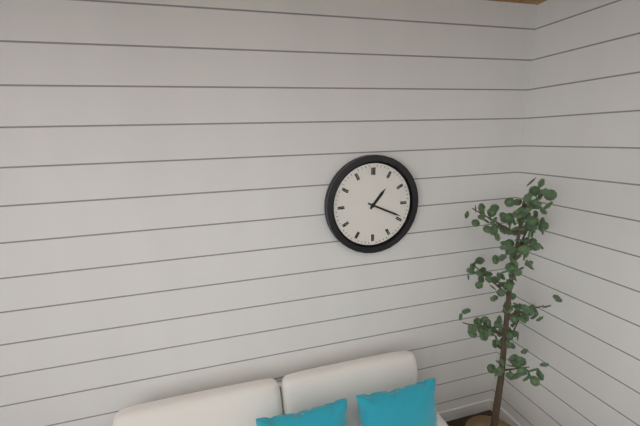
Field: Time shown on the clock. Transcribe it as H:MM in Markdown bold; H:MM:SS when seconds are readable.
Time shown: **1:19**
